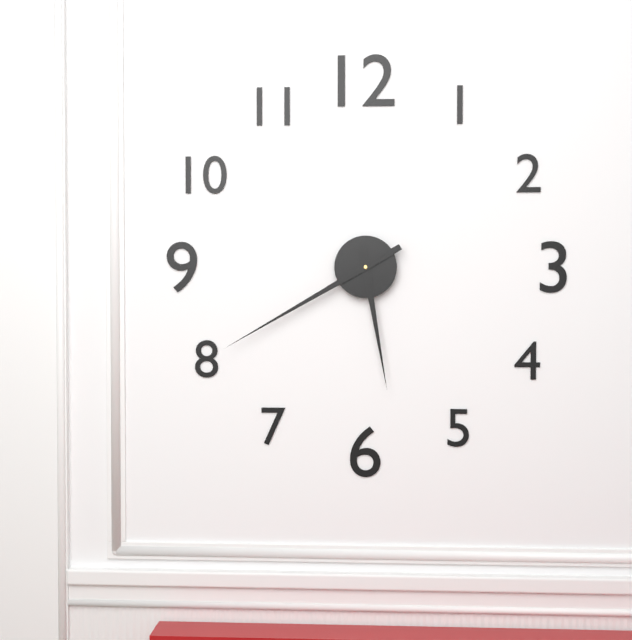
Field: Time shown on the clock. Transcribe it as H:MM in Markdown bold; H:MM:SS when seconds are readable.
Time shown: **5:40**
